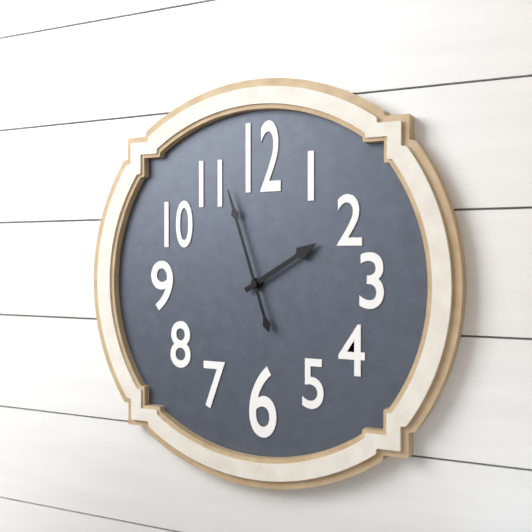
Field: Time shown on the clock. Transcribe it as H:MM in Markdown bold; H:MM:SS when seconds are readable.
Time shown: **1:57**
